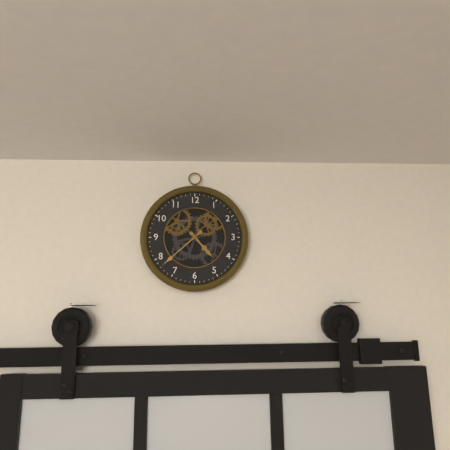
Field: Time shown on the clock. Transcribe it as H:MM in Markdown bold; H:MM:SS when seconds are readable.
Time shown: **4:38**
